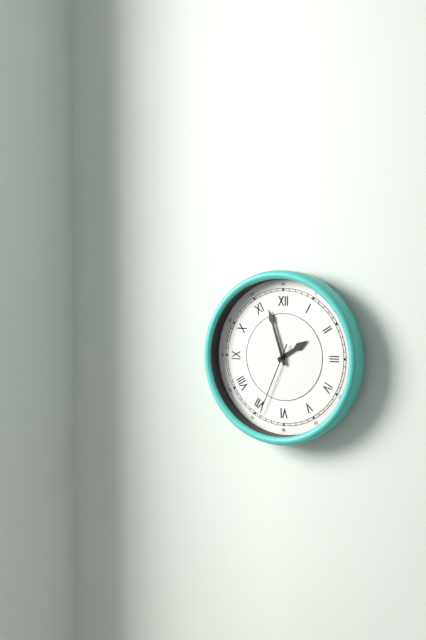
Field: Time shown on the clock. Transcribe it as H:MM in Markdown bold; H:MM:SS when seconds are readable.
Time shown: **1:57:34**
